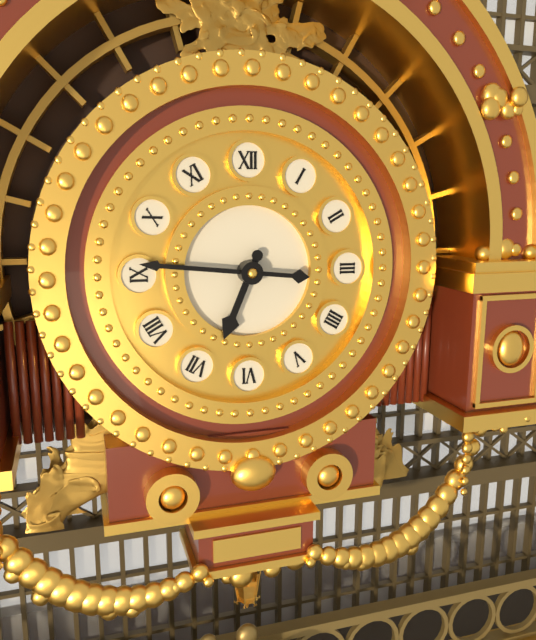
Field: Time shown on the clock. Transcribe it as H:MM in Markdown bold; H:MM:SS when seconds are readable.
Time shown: **6:46**
